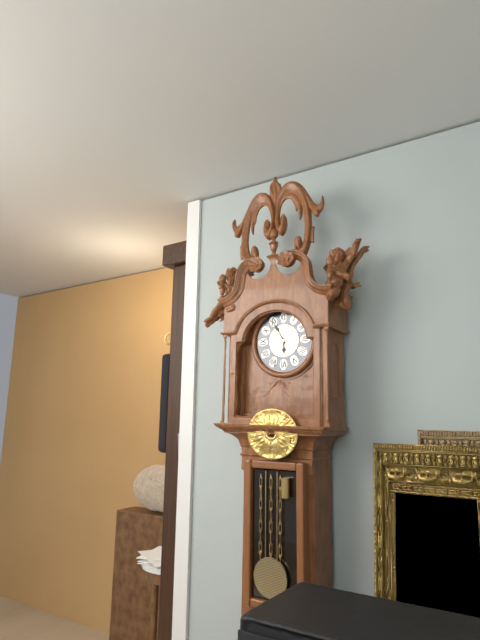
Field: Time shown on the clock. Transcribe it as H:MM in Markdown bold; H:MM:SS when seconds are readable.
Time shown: **5:55**
